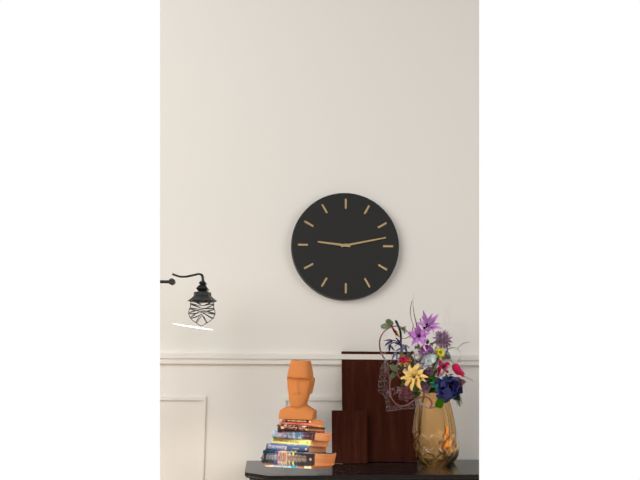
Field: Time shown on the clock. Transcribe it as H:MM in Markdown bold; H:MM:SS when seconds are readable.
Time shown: **9:13**
